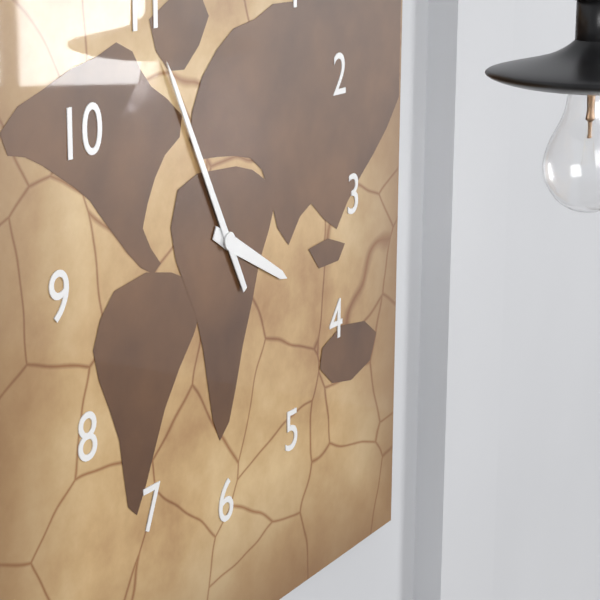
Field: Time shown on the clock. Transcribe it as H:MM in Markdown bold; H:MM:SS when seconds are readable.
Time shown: **3:55**
